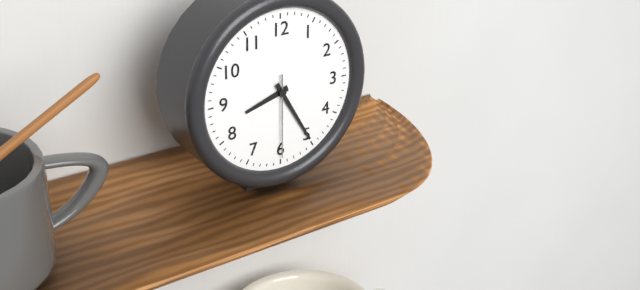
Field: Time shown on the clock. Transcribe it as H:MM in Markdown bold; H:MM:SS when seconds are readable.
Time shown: **8:25:30**
